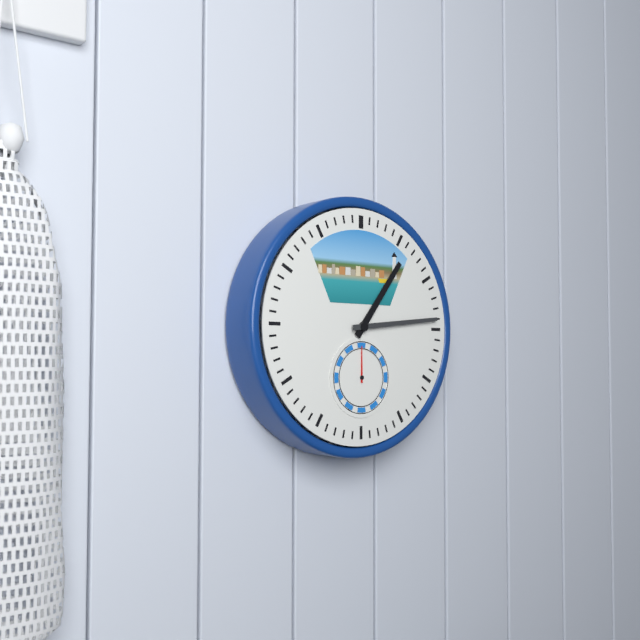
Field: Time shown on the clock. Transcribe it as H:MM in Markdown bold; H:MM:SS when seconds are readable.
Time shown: **1:14**
